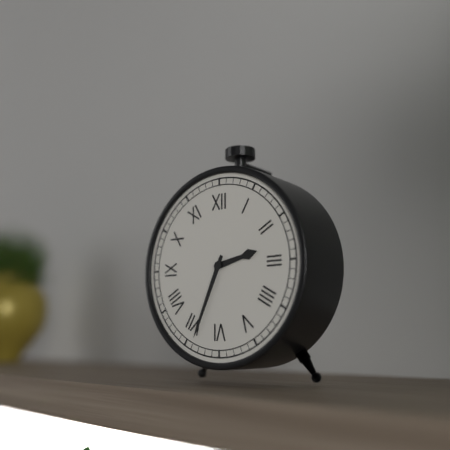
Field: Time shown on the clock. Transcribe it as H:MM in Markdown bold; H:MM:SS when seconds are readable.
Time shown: **2:34**
